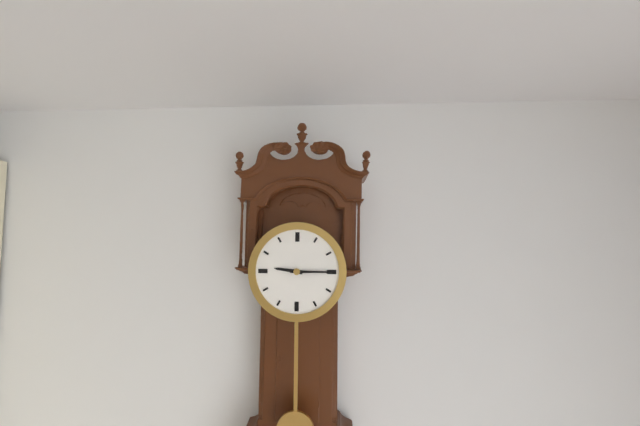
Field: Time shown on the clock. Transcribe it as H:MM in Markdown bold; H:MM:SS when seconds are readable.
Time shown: **9:15**
